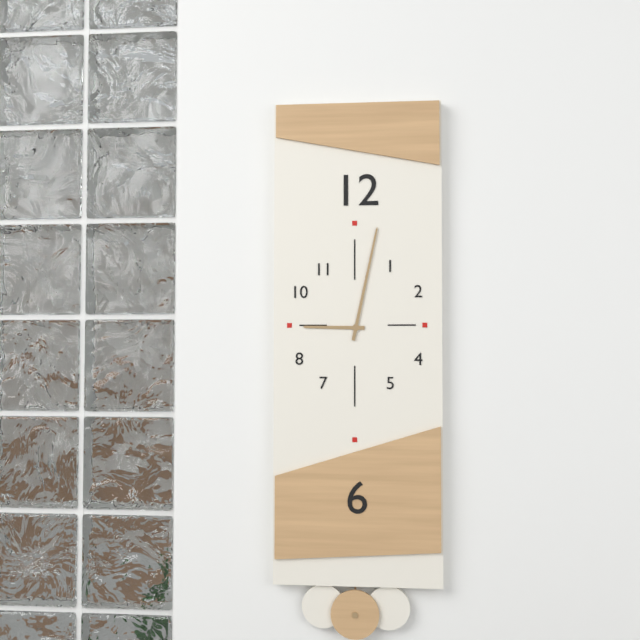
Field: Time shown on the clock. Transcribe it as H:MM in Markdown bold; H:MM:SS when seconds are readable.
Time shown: **9:02**
